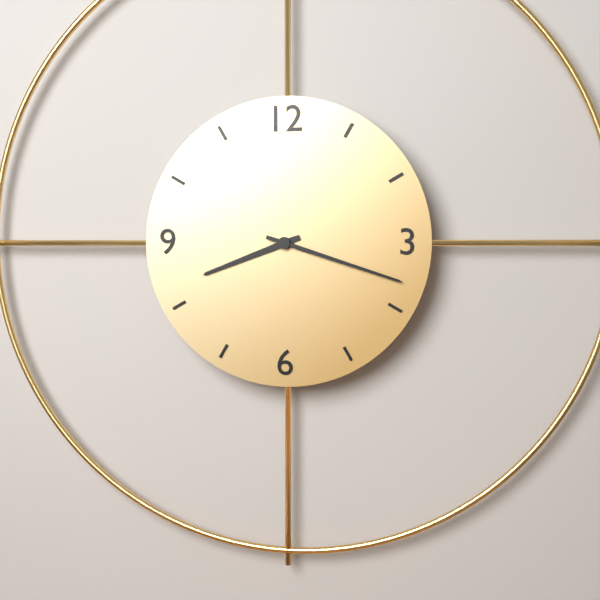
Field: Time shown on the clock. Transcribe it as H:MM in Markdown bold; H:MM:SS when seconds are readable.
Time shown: **8:18**
